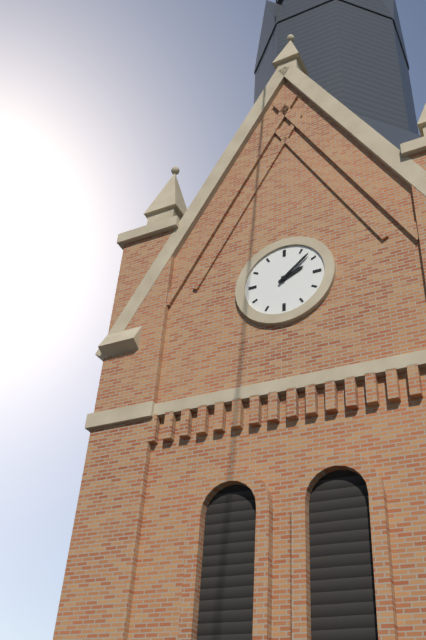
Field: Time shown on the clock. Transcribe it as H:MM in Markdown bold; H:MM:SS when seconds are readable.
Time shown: **2:08**
